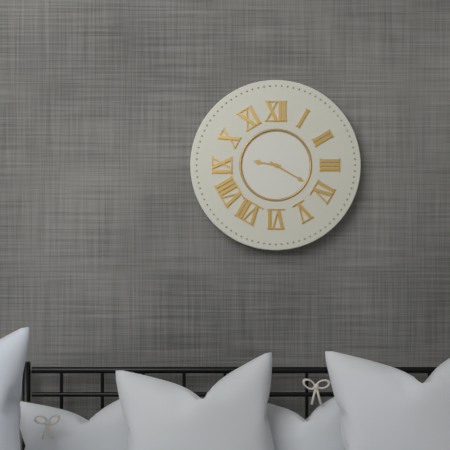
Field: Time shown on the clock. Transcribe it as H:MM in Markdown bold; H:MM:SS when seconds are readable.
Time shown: **9:20**
